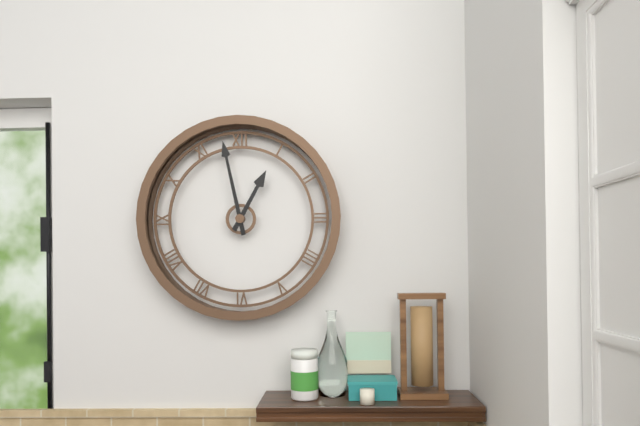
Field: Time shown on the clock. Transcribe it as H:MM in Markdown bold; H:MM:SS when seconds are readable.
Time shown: **12:58**
